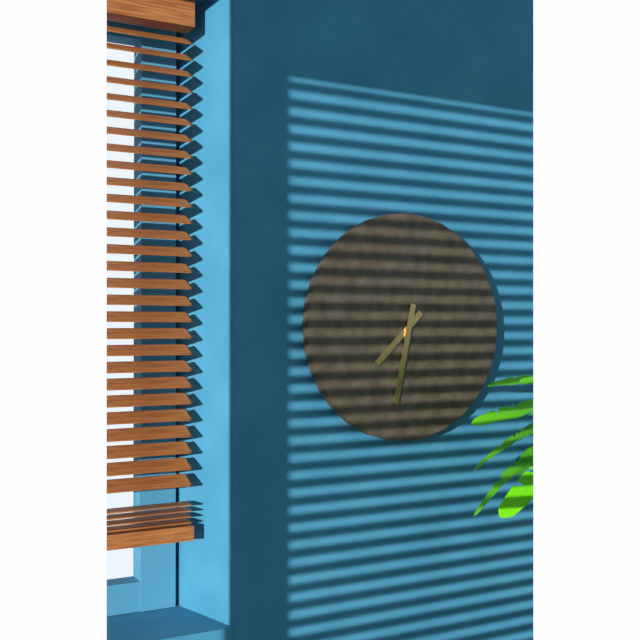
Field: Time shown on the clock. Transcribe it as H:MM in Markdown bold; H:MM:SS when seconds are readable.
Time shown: **7:32**
